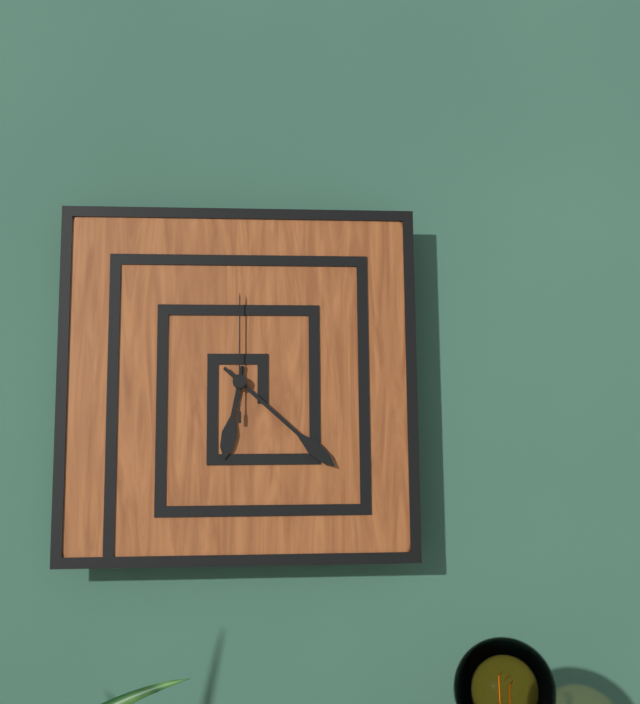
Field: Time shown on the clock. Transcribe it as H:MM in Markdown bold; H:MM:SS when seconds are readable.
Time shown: **6:22:00**
